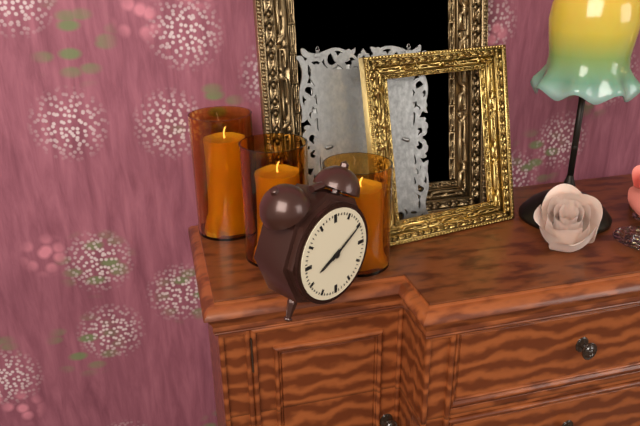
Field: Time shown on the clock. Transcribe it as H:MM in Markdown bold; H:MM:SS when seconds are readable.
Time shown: **8:10**
